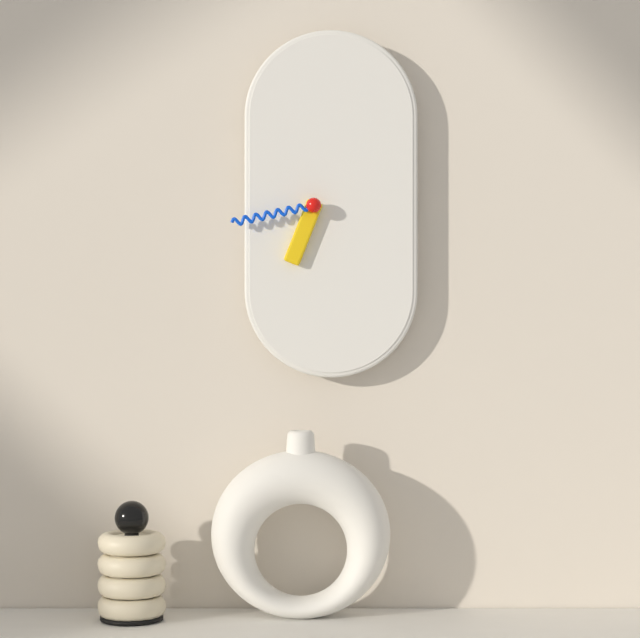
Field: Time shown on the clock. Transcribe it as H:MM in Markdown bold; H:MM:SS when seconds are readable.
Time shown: **6:43**
